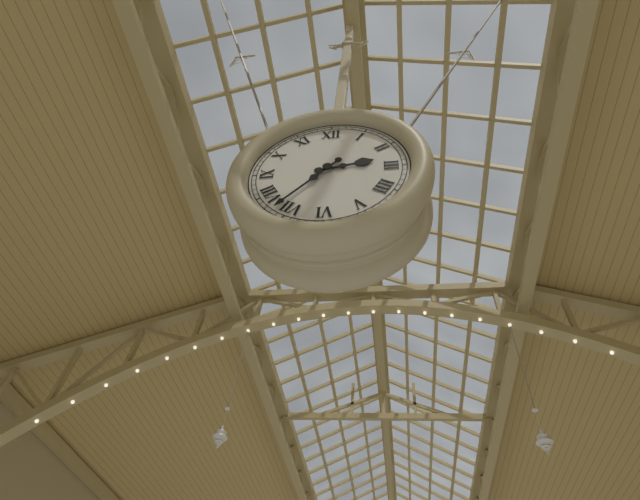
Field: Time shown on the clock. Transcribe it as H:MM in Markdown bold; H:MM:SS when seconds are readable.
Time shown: **2:37**
